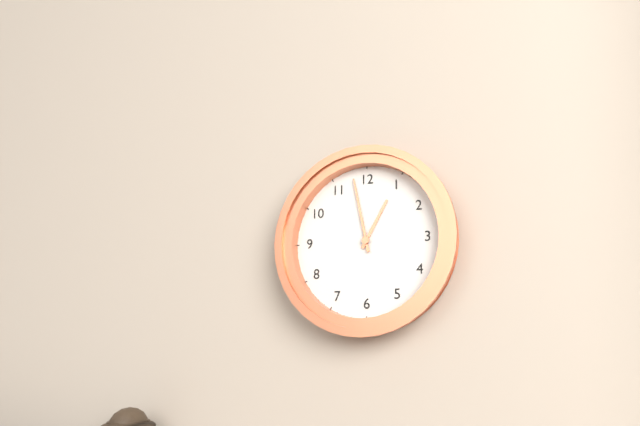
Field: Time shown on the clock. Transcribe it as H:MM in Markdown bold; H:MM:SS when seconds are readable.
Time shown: **12:58**
